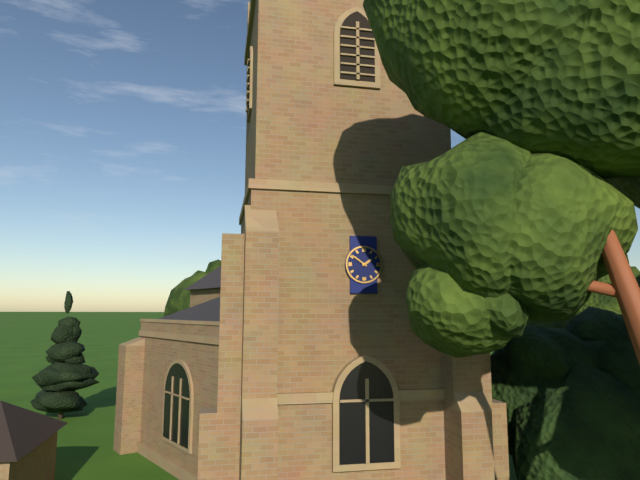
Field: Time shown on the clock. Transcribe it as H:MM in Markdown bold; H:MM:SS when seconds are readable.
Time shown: **1:51**
